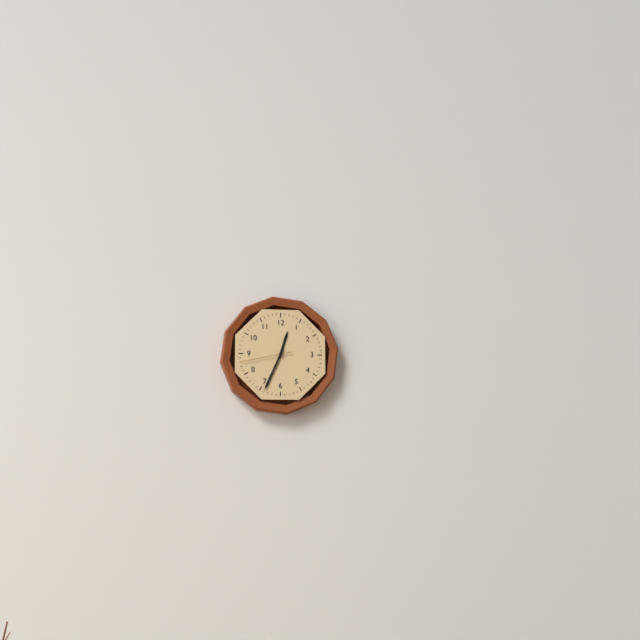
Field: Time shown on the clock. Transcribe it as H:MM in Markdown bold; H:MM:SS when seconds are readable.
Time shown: **12:34:43**
